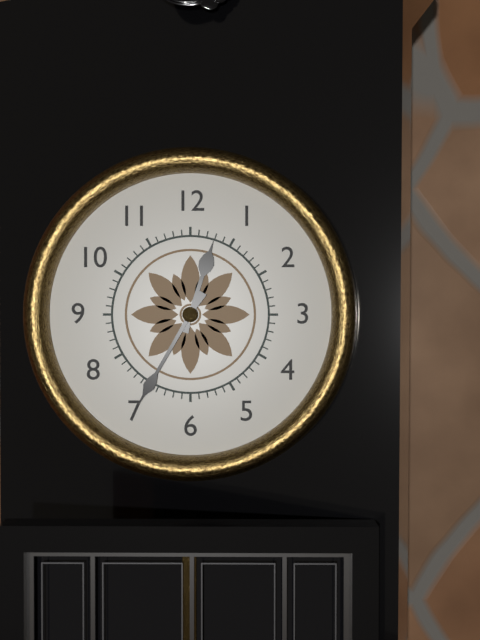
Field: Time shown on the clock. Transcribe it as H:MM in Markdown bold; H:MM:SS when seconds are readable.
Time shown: **12:35**
